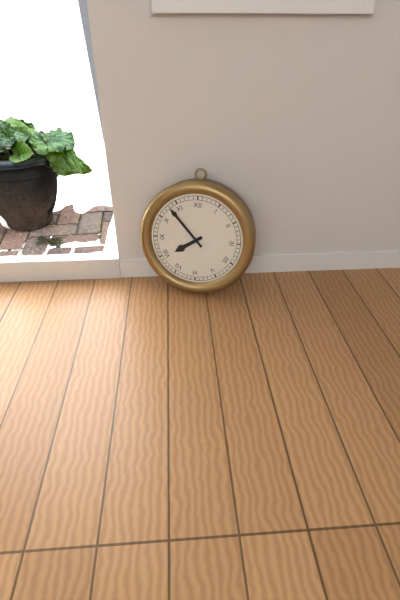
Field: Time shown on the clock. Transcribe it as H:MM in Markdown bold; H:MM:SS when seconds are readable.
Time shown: **7:53**
